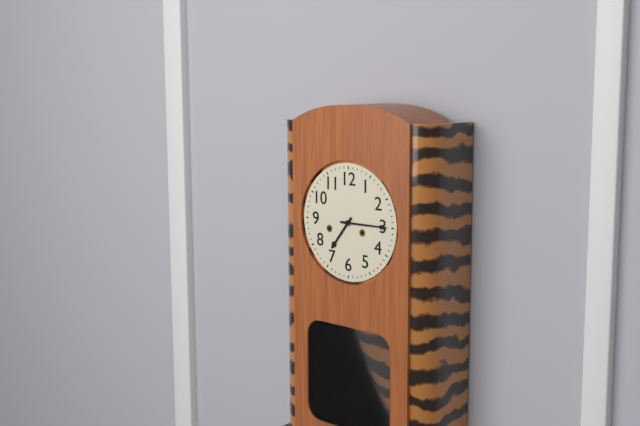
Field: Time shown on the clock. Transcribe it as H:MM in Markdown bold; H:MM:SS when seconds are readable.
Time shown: **7:15**
